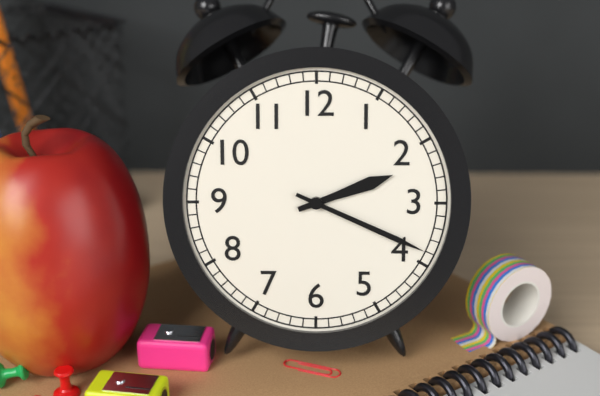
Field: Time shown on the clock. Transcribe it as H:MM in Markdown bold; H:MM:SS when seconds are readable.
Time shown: **2:19**
